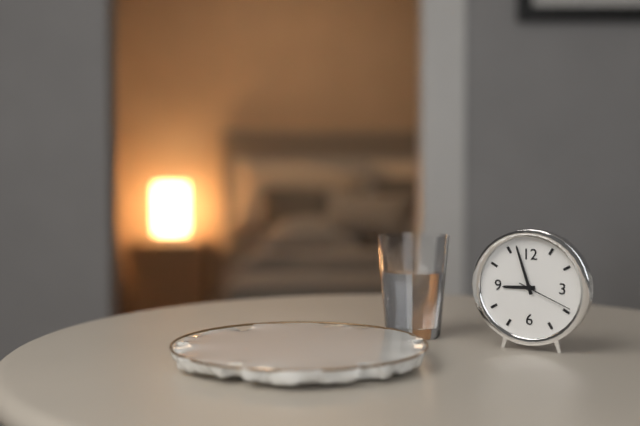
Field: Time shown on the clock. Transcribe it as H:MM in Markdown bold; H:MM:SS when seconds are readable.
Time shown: **8:57:19**
